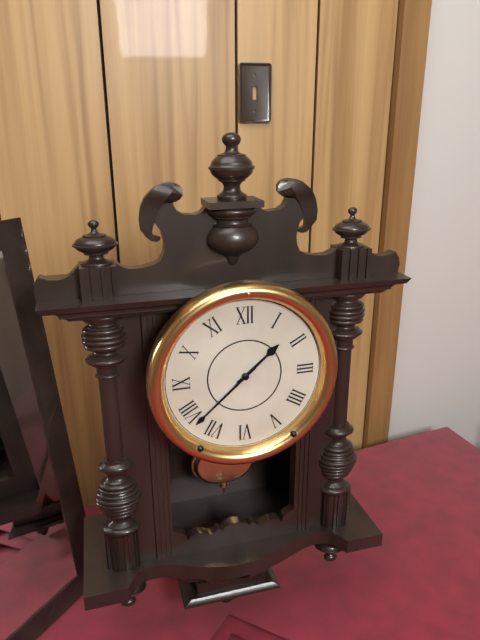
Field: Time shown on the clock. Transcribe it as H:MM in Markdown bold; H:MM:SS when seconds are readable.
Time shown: **1:38**
